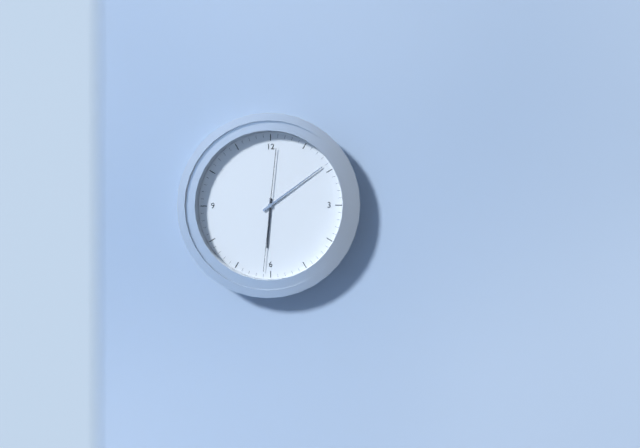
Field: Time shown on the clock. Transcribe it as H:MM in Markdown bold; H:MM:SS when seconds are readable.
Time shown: **6:09:31**
